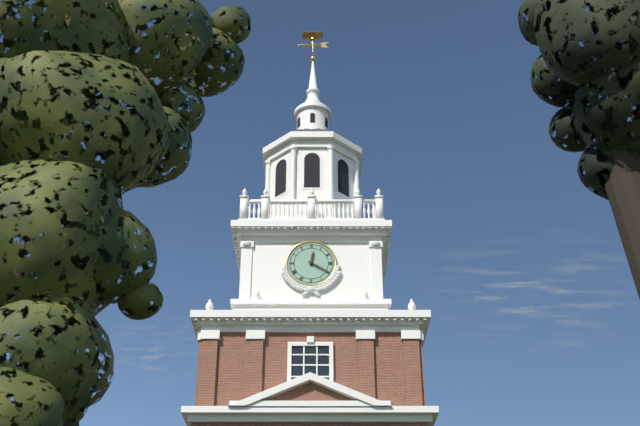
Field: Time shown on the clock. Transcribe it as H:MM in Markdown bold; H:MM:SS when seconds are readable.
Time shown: **12:20**
